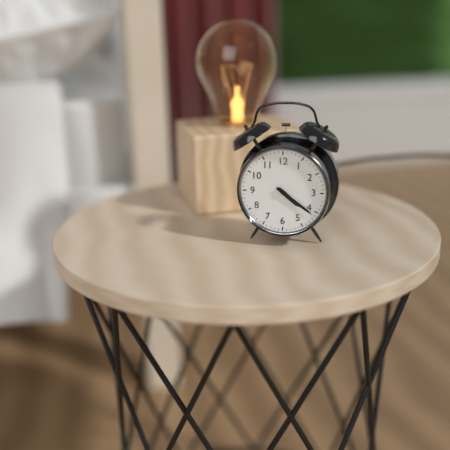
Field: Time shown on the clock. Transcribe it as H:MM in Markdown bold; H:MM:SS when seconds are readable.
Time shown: **4:21**
